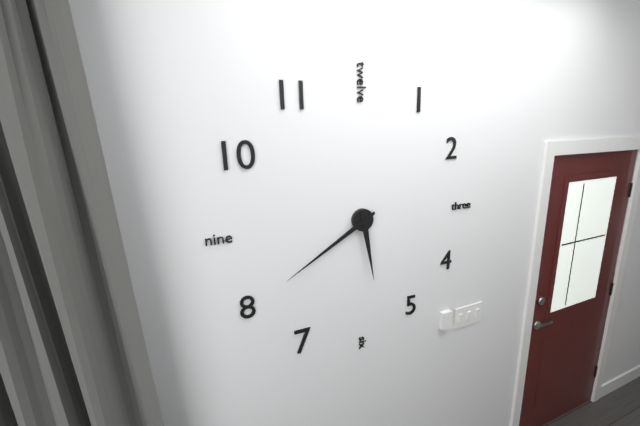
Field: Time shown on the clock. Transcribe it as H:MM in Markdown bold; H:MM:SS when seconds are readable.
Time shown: **5:40**
